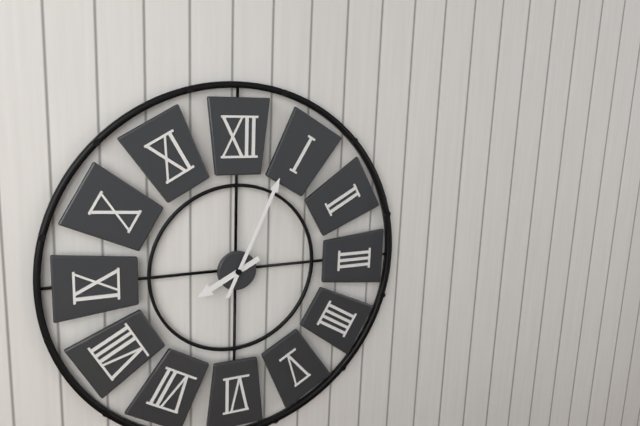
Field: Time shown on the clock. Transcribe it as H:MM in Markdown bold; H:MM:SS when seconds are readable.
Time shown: **8:04**
